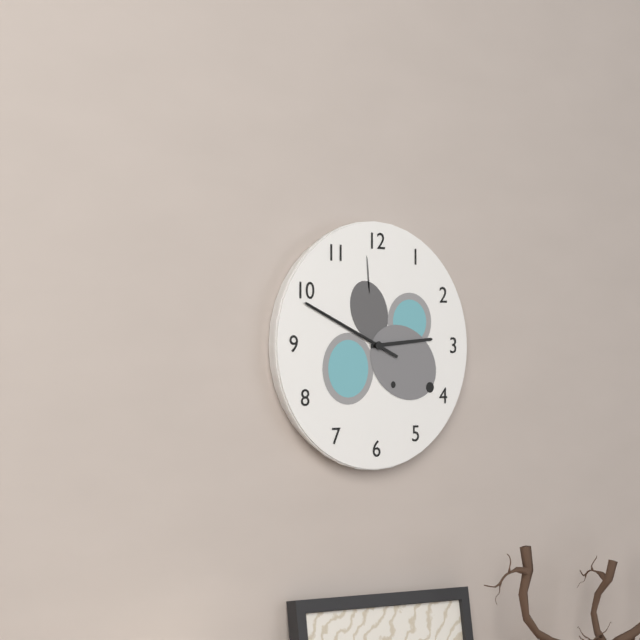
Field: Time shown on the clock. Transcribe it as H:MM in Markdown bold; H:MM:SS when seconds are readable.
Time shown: **2:49:49**
